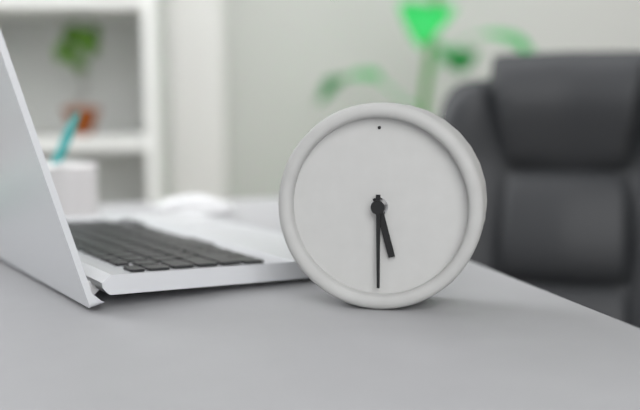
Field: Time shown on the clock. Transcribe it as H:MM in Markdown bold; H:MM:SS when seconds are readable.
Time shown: **5:30**
